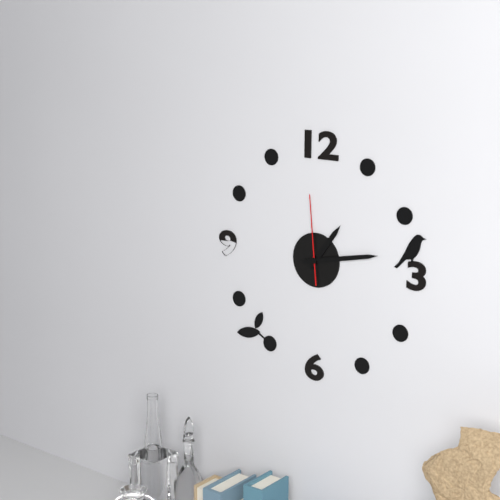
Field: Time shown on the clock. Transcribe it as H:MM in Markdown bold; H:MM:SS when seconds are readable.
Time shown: **1:13:59**
